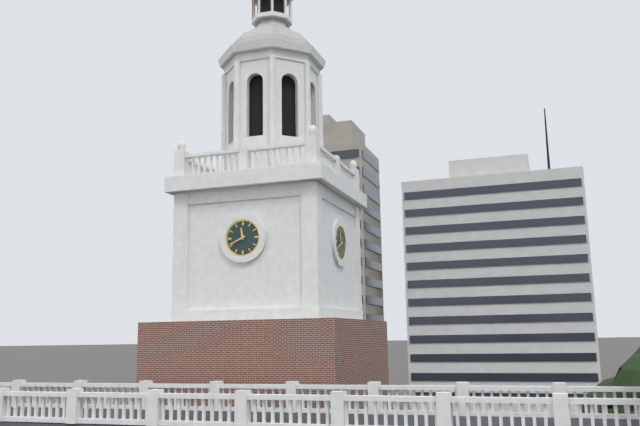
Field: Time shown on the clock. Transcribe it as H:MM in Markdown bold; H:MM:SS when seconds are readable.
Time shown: **11:41**
